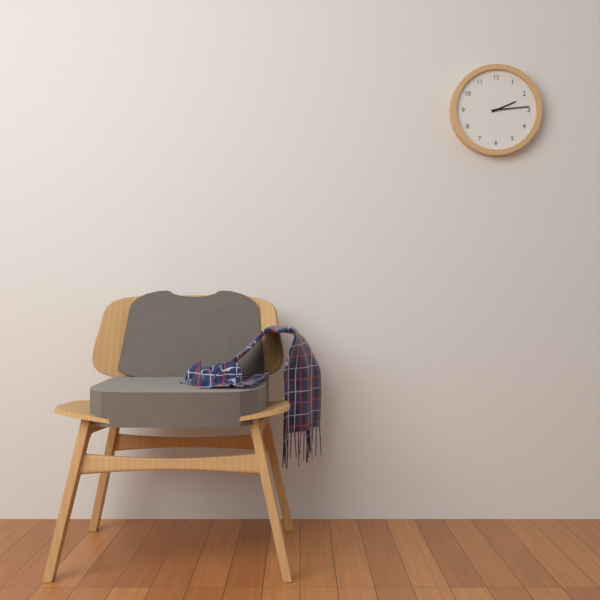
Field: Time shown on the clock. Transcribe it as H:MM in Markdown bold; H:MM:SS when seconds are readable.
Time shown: **2:14**
